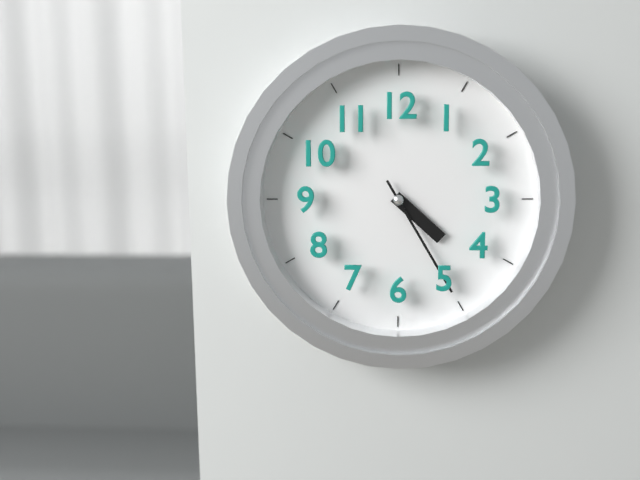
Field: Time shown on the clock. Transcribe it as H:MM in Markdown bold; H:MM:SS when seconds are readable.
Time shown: **4:25**
